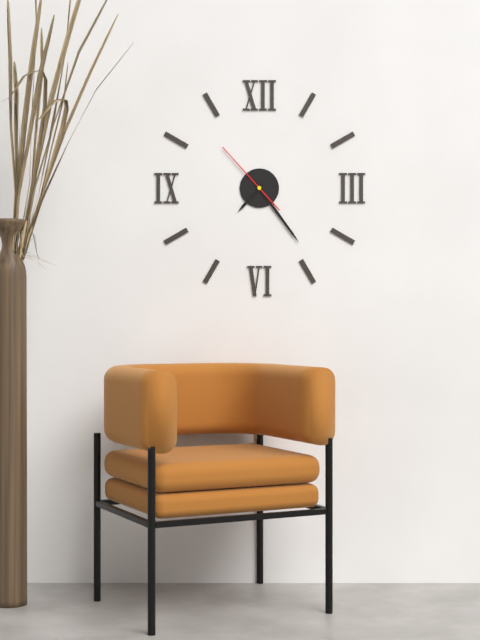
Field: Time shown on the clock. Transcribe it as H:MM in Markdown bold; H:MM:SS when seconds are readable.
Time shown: **7:24:53**
